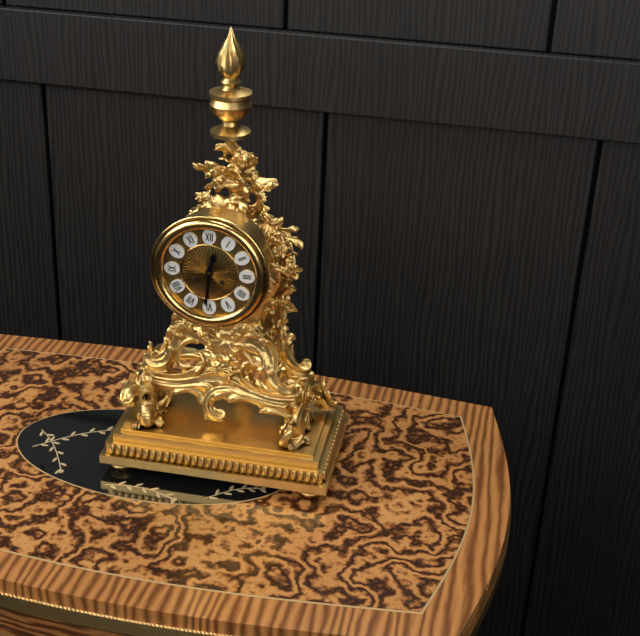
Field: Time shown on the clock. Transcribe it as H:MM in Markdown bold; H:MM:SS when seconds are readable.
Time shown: **12:31**
